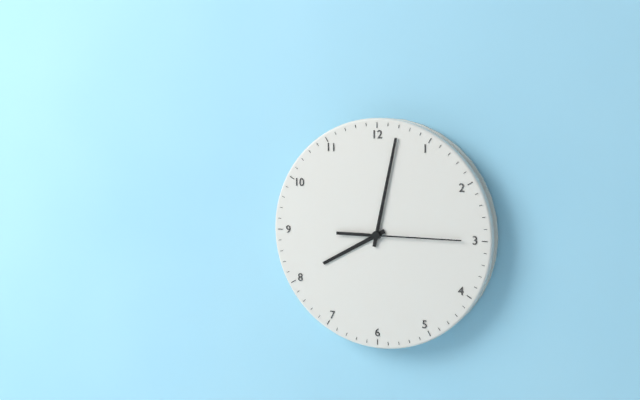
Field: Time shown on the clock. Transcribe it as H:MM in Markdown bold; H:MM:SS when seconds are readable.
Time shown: **8:02:15**
